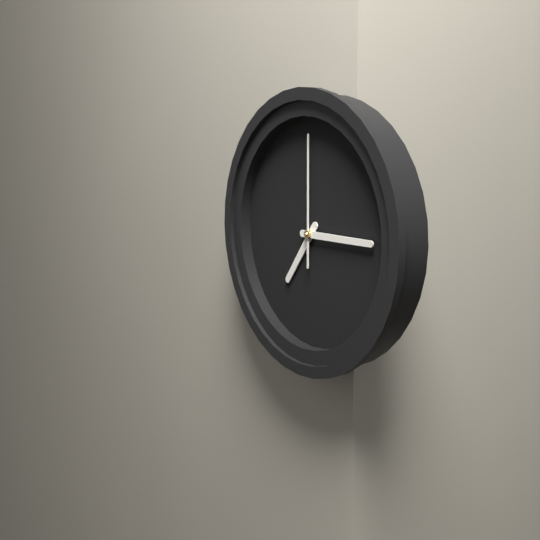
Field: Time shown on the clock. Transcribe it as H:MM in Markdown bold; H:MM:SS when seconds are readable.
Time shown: **7:15:00**
